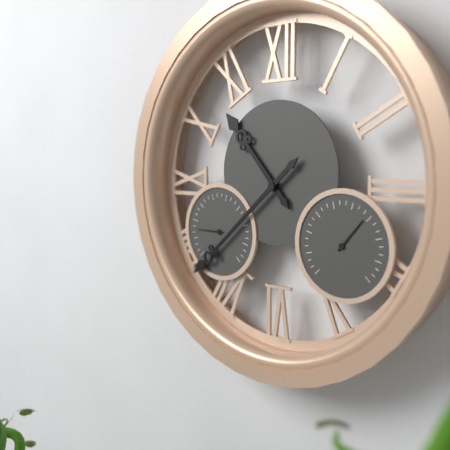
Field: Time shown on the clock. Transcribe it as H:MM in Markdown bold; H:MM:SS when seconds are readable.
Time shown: **10:38**
